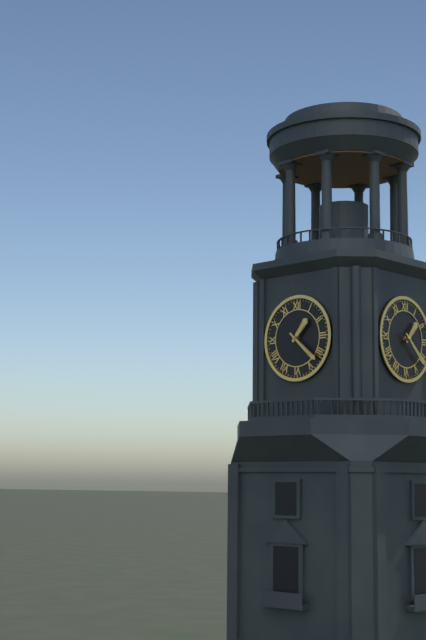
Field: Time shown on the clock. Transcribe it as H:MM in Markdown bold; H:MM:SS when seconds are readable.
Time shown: **1:22**
